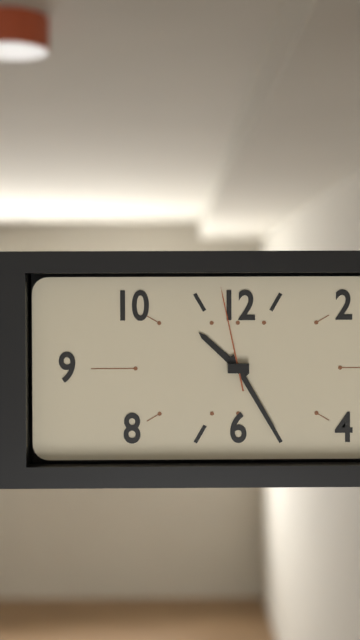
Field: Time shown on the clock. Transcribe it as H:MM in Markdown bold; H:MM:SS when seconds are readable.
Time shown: **10:25:58**
